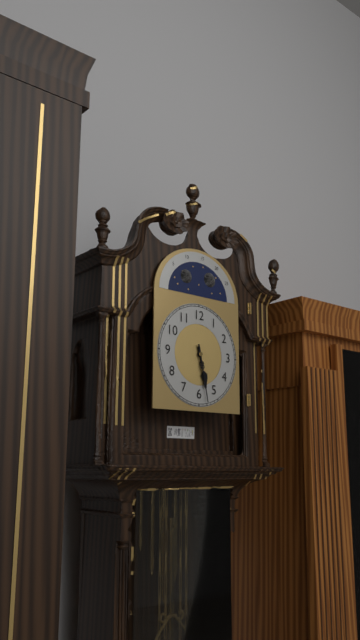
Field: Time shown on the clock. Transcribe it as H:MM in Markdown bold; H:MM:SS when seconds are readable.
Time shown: **5:28**
